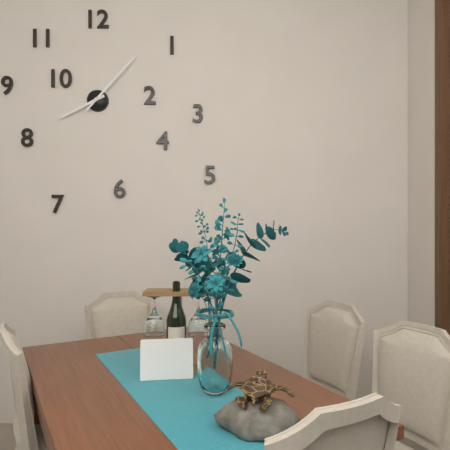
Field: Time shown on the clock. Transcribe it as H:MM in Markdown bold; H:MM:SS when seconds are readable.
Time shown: **8:07**
